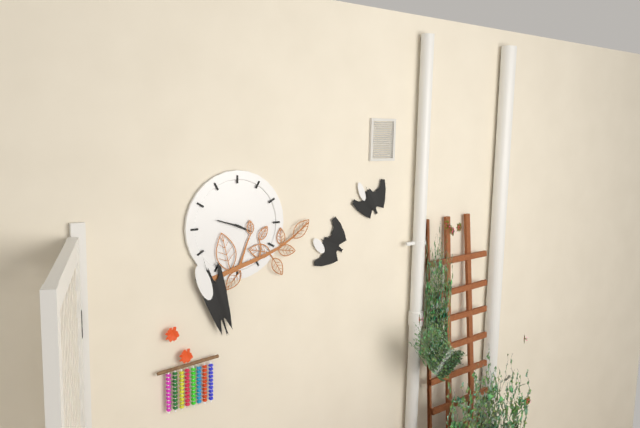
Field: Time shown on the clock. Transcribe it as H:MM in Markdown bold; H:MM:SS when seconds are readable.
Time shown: **3:48**
